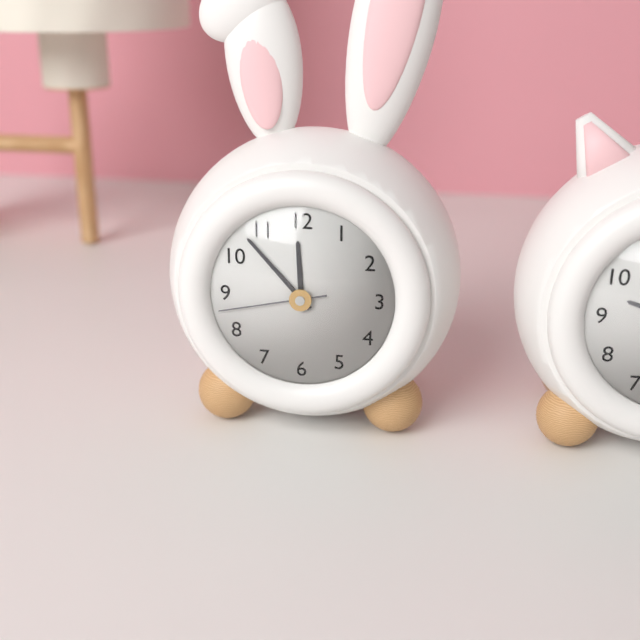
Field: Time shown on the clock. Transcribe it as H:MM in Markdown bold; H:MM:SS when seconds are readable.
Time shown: **11:53:43**
